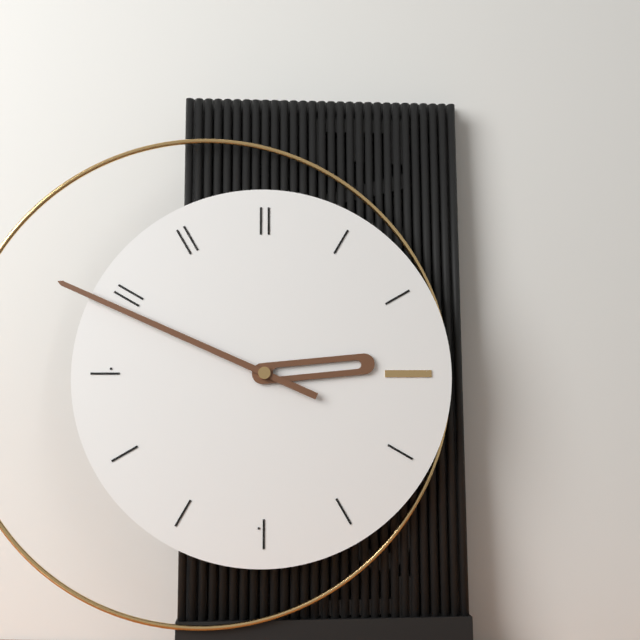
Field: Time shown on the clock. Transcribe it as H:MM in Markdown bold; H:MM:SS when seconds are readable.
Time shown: **2:49**
